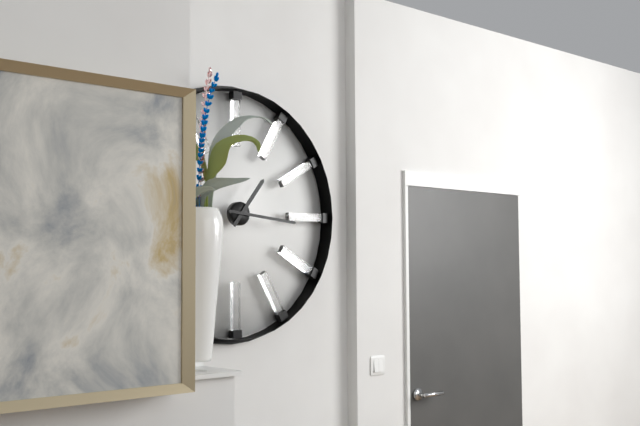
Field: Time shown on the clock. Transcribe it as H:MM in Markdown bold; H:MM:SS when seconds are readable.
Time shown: **1:16**
